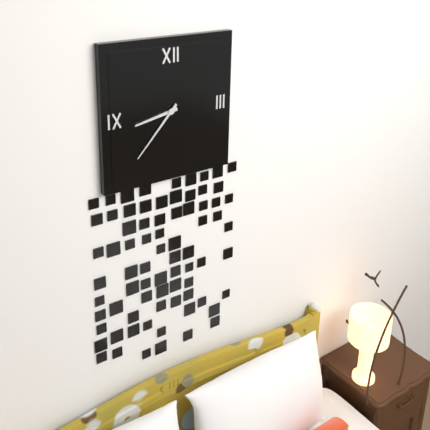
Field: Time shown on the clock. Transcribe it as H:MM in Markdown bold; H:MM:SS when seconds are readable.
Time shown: **8:37**
